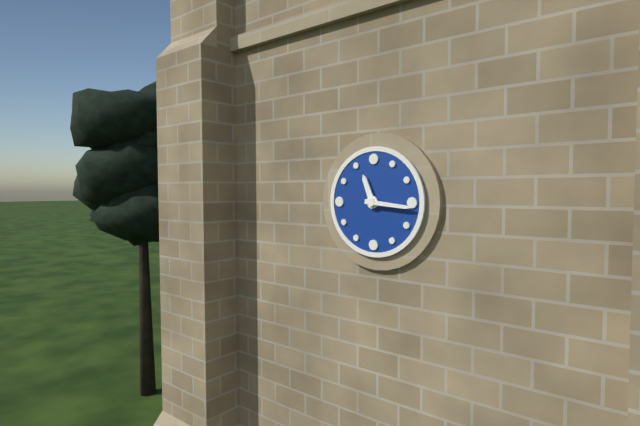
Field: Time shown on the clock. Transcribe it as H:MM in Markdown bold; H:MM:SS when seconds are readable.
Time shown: **11:16**
